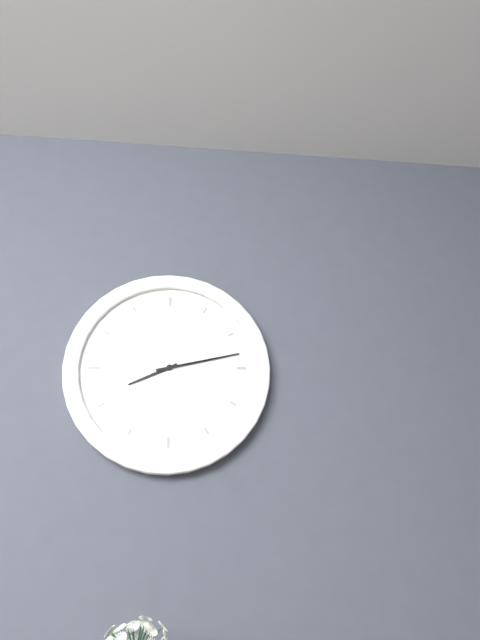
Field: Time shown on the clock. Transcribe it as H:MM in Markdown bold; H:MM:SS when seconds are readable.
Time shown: **8:13**
